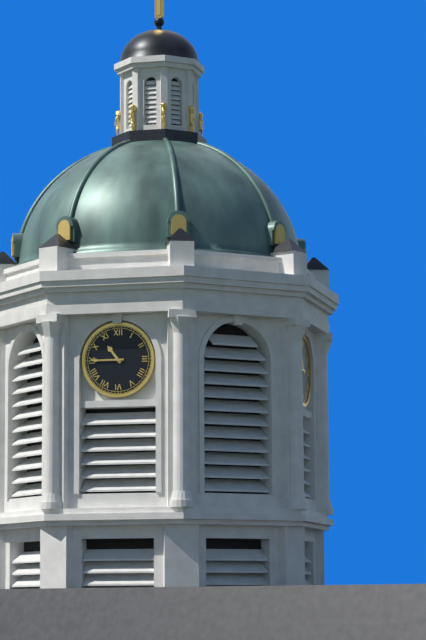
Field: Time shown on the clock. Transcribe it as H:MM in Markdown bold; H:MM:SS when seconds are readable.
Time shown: **10:45**
